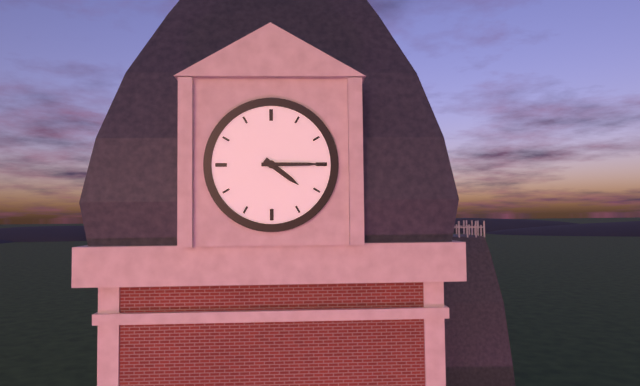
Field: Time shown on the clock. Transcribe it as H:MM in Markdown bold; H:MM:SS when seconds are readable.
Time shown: **4:15**
